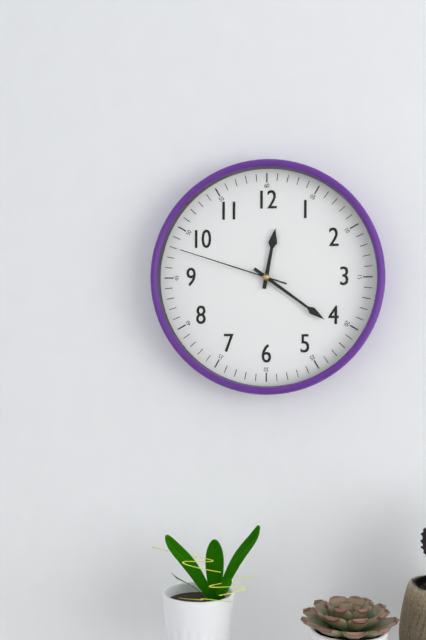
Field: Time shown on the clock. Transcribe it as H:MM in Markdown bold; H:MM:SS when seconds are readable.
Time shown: **12:21:48**
